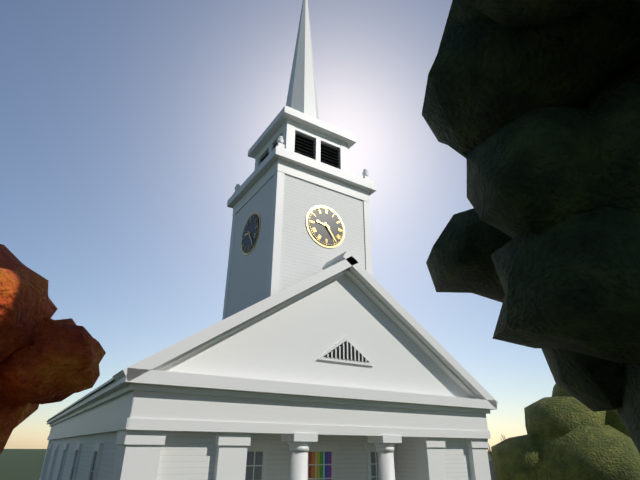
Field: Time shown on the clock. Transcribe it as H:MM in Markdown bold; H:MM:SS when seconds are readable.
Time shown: **9:24**
